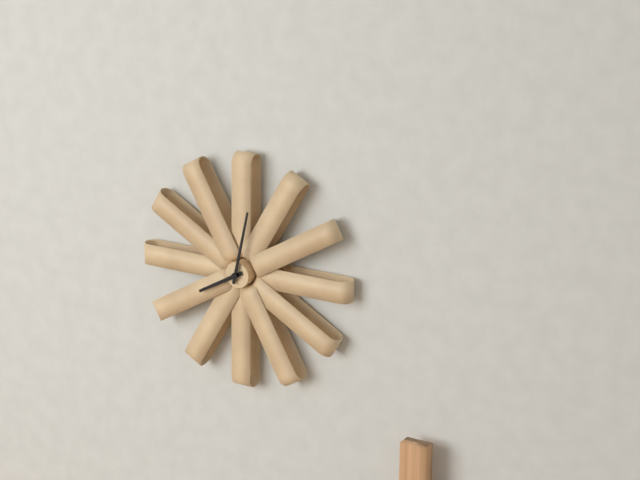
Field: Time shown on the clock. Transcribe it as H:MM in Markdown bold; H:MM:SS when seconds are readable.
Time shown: **8:02**
